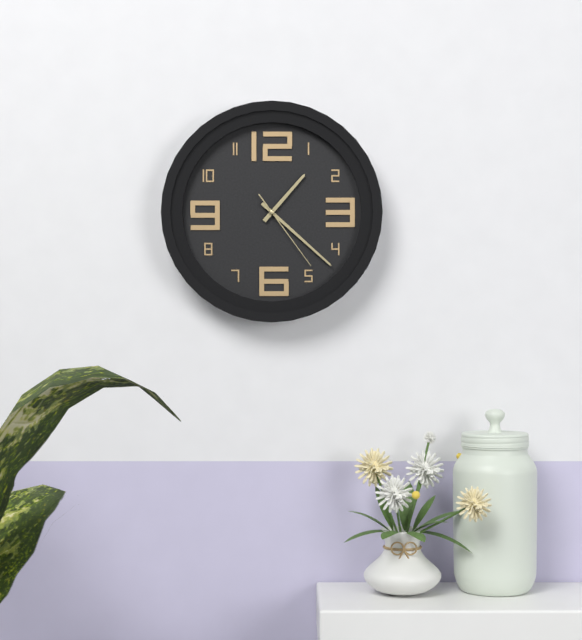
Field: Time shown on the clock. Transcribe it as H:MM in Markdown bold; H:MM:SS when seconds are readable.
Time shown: **1:22:24**
